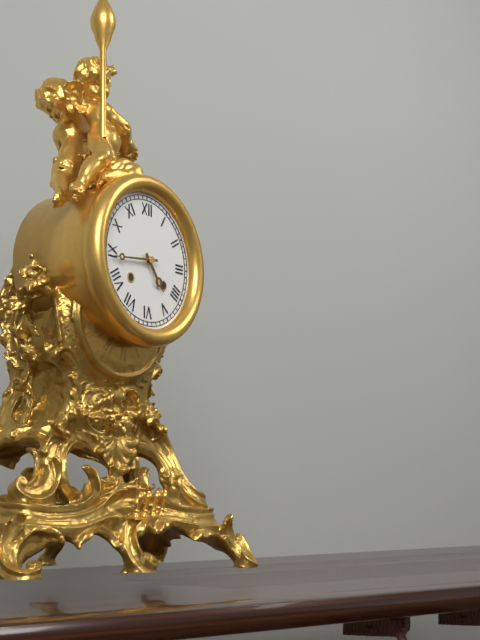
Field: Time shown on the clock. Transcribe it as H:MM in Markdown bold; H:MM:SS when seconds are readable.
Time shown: **4:44**
